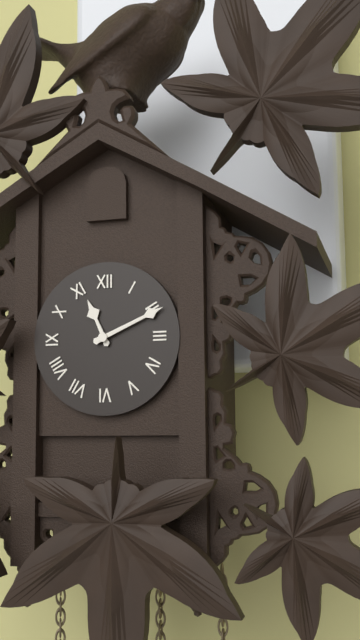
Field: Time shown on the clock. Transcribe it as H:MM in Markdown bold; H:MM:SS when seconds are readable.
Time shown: **11:11**
